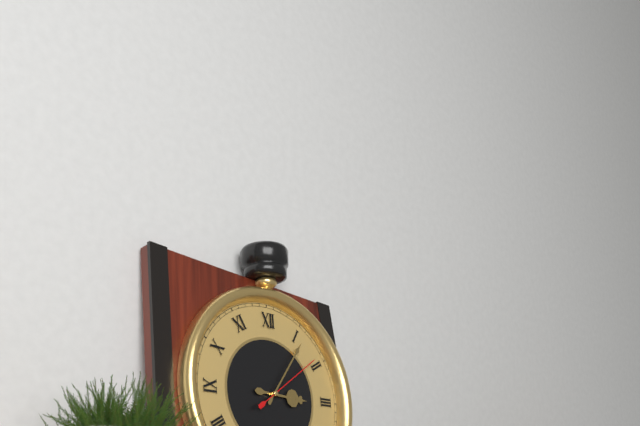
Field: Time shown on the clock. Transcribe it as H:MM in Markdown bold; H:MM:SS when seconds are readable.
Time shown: **3:06:09**
